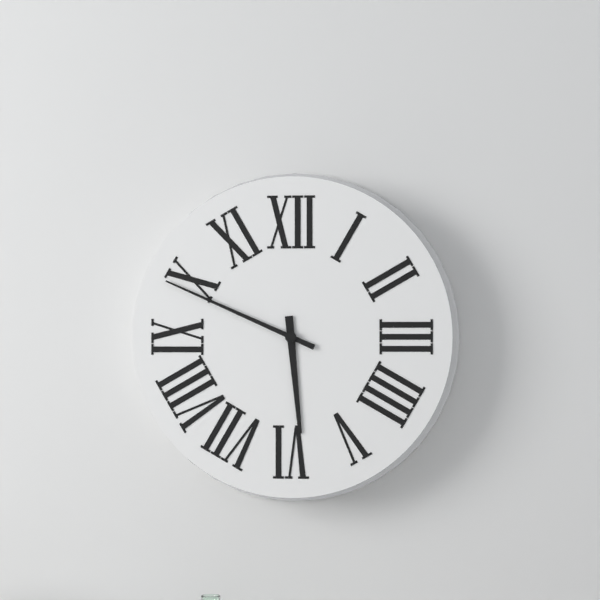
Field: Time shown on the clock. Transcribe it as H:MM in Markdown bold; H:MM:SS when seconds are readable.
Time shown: **5:49**
